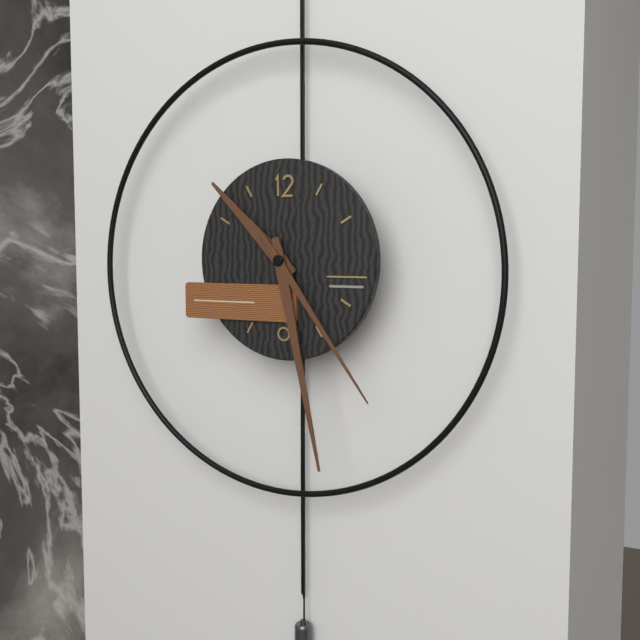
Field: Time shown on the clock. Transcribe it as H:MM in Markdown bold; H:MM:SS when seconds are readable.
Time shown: **10:28:24**
